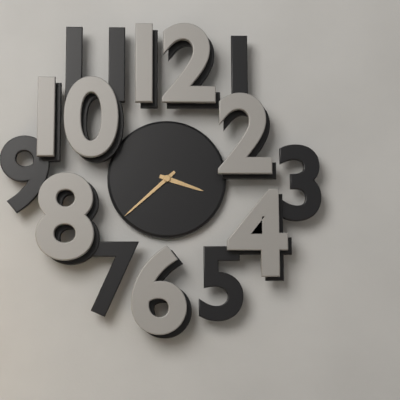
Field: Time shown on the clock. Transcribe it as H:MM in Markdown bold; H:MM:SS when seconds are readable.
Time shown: **3:38**
